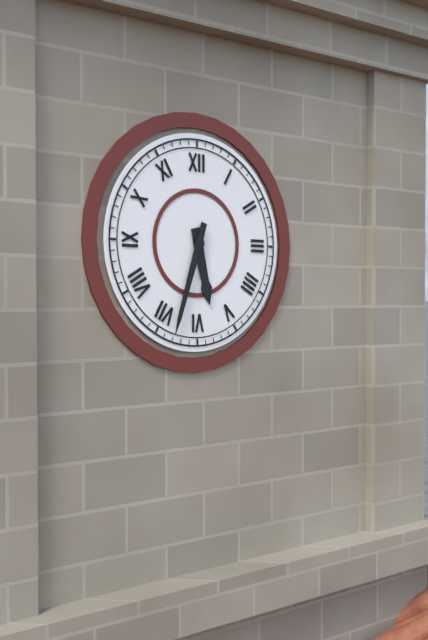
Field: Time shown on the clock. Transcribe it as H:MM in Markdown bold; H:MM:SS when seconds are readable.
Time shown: **5:33**
